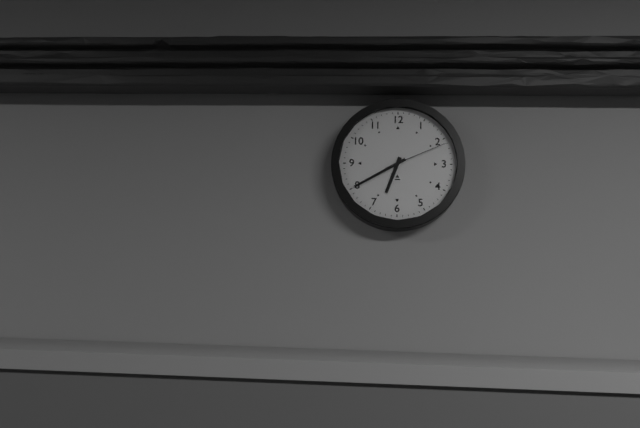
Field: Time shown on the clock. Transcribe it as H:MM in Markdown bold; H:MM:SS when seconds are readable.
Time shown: **6:40:11**
